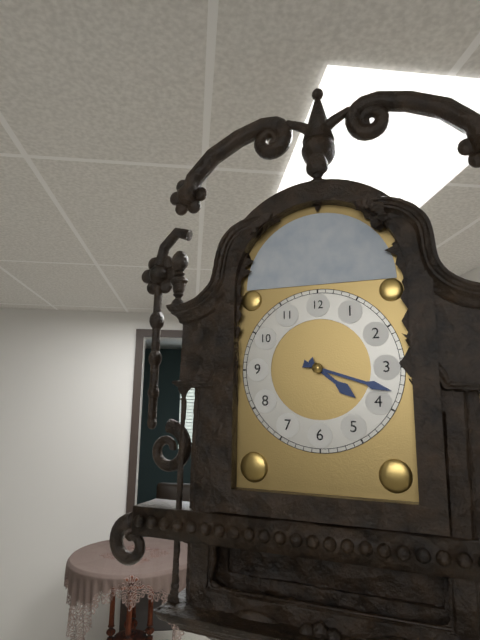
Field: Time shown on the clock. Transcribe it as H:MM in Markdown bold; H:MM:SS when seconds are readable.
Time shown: **4:18**
